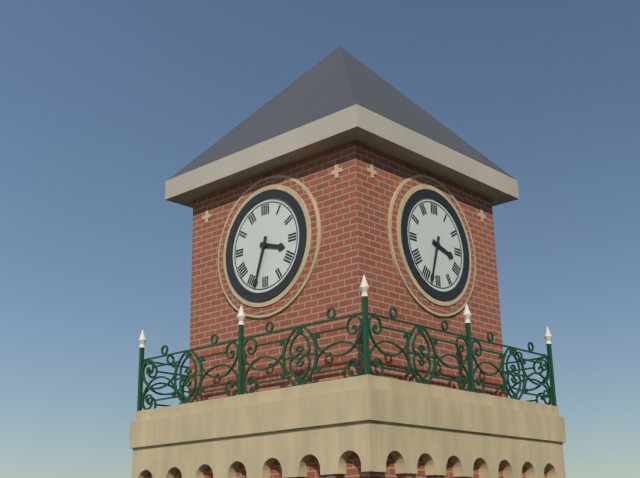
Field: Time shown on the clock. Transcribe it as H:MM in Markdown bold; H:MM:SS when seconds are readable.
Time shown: **3:33**
